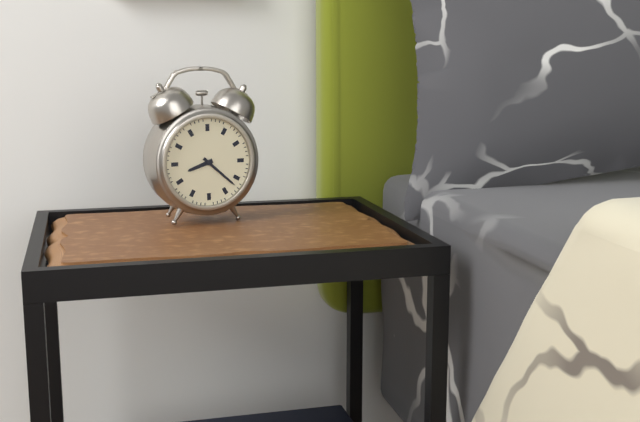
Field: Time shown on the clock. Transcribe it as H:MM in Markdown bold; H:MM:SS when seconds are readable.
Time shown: **8:22**
